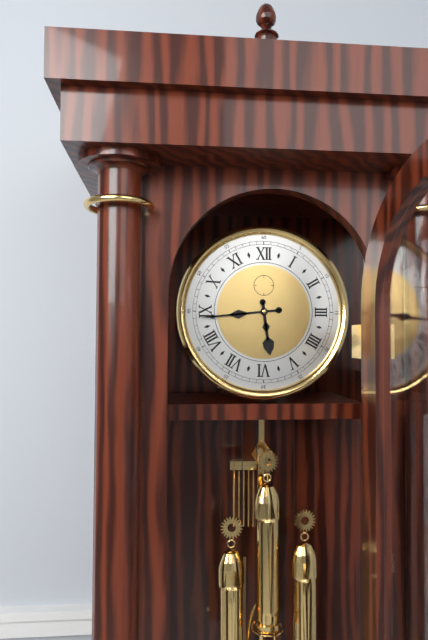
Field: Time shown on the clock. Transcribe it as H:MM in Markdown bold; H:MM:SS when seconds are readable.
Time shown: **5:44**
